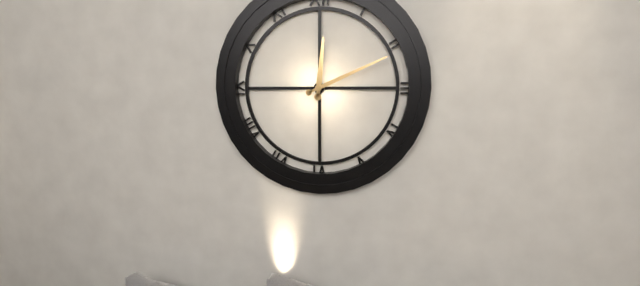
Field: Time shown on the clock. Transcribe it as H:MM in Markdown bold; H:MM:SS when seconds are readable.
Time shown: **12:11**
